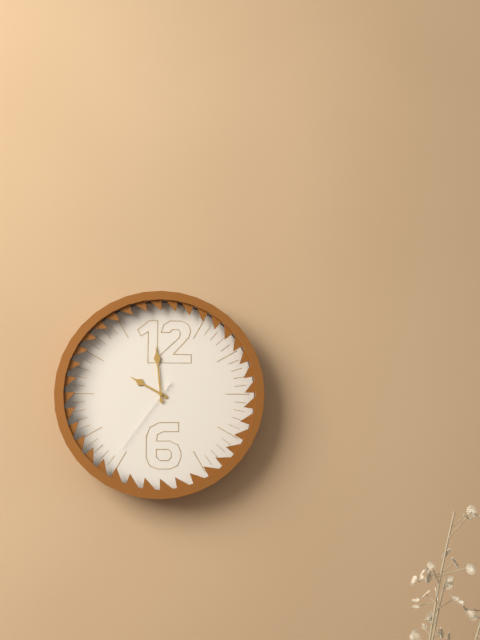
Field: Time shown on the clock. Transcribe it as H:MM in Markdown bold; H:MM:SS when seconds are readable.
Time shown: **9:59:36**
